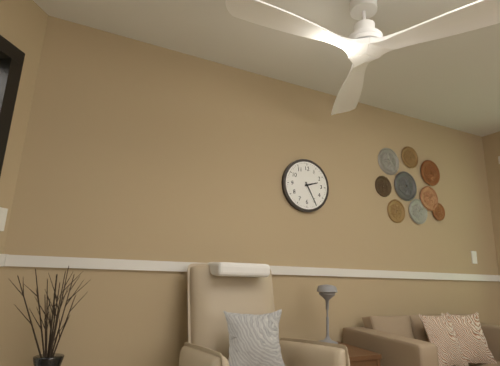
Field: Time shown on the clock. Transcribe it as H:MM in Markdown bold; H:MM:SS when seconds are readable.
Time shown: **2:25**
